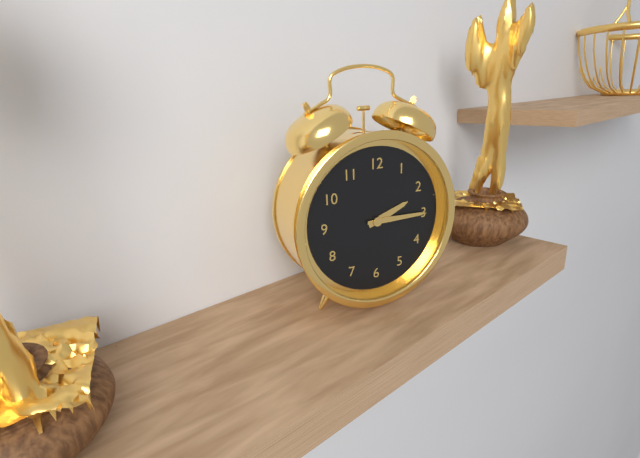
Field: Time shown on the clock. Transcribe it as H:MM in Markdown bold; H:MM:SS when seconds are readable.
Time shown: **2:15**
